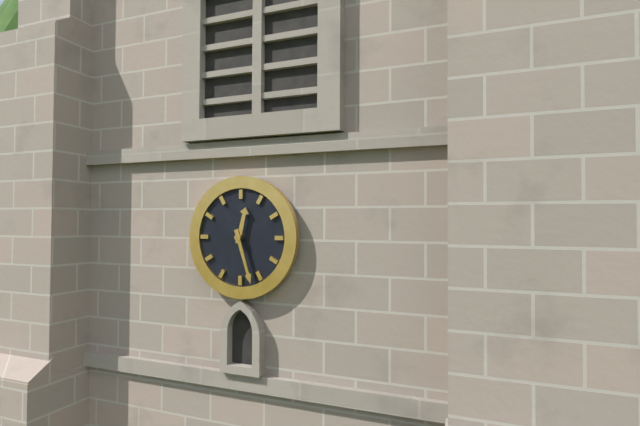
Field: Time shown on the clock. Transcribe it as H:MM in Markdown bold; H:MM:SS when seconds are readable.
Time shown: **12:27**
